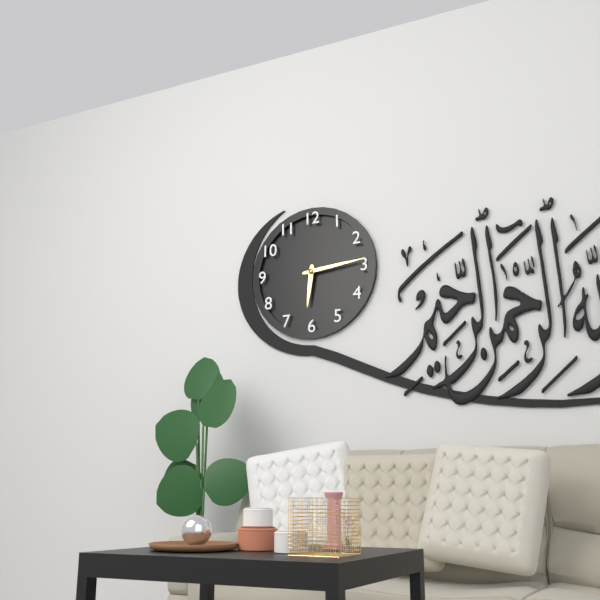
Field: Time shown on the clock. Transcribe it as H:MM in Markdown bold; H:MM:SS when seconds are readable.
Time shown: **6:14**
